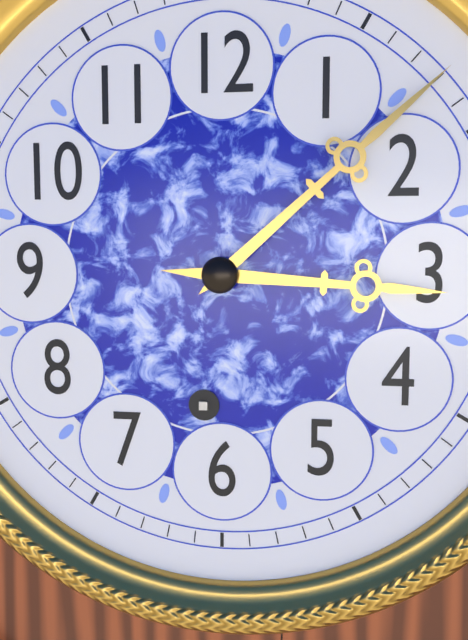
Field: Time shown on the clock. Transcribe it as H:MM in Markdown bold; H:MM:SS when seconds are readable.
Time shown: **3:08**
